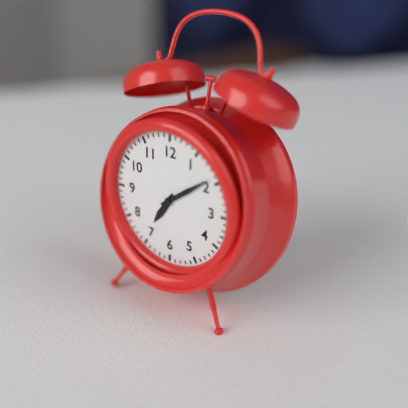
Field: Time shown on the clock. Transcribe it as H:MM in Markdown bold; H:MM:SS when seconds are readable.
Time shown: **7:09**
